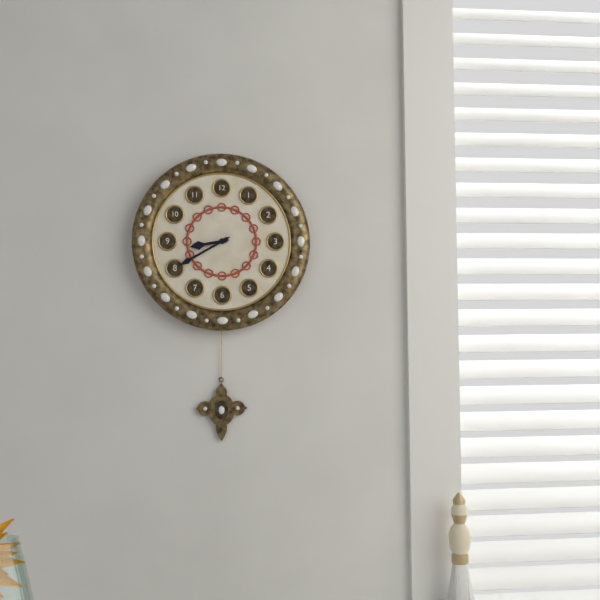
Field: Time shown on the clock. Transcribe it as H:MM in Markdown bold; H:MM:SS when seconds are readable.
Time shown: **8:40**
